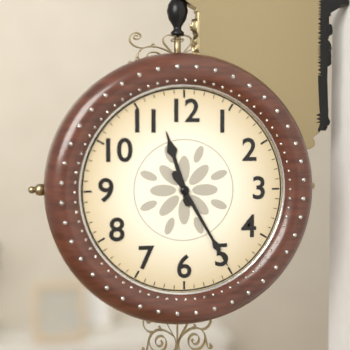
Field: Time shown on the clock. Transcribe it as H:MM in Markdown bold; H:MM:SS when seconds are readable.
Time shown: **11:25**
